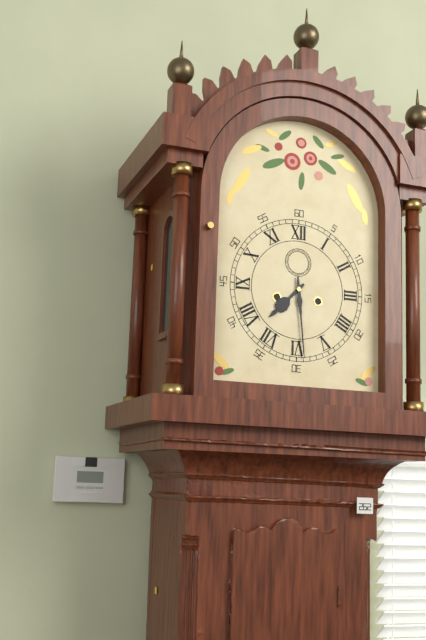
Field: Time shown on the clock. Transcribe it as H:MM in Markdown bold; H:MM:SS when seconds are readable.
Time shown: **7:29**
